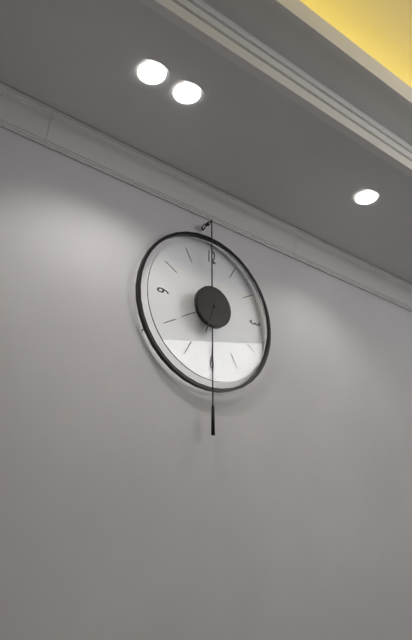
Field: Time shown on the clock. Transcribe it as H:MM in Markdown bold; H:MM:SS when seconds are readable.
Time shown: **6:40**
